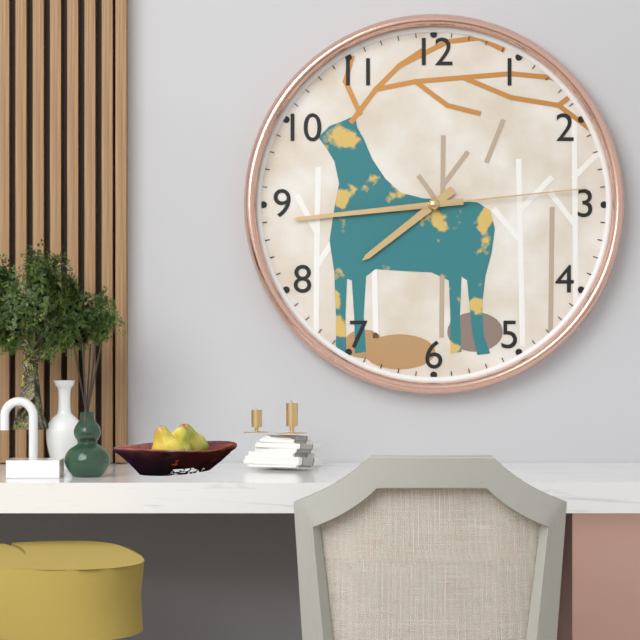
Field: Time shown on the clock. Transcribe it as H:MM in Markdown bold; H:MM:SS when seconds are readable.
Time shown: **7:44:14**
